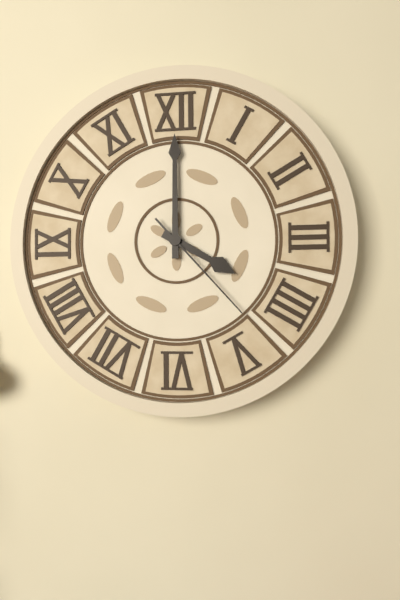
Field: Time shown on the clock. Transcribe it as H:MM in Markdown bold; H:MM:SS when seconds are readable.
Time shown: **4:00:23**
